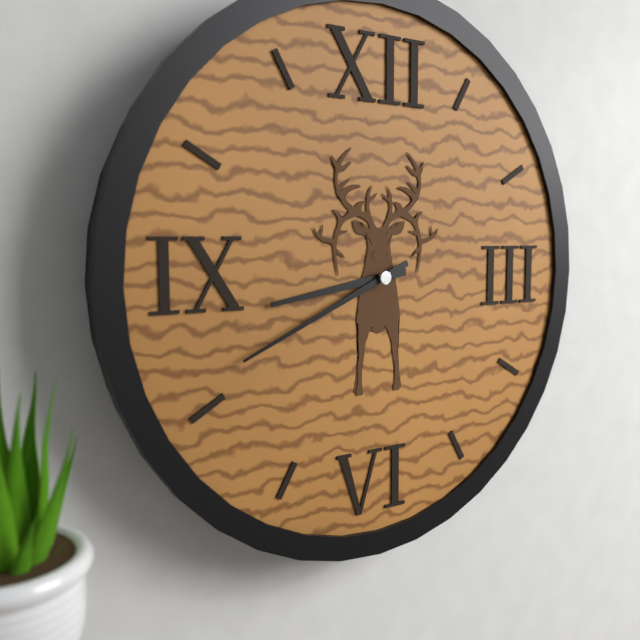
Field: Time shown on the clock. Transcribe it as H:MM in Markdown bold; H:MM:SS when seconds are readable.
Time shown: **8:41**
